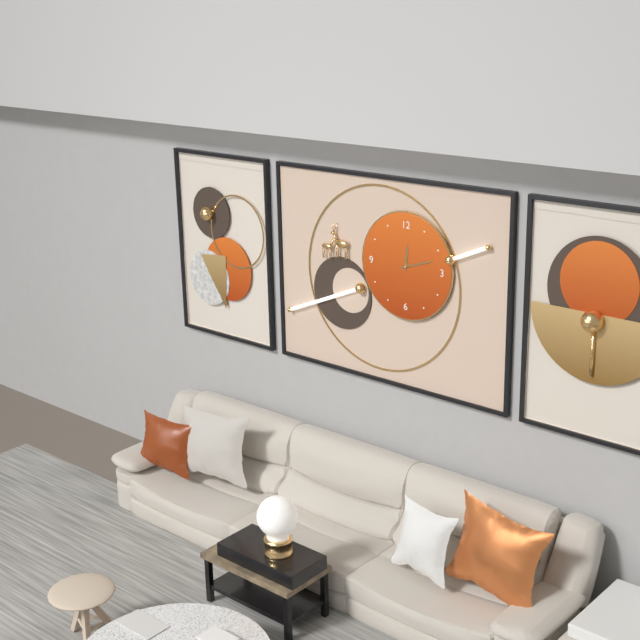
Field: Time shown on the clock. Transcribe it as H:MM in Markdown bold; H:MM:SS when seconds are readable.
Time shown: **12:12**
